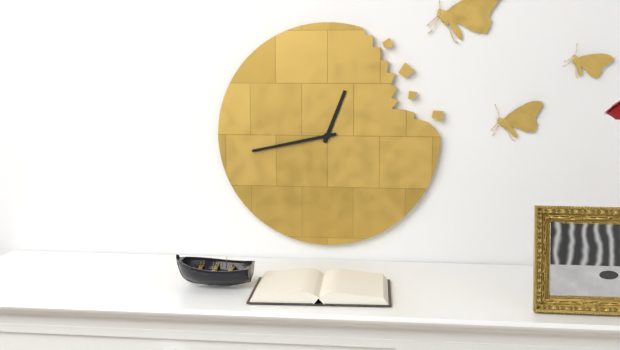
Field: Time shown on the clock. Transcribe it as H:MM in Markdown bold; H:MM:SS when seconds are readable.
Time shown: **12:43**
